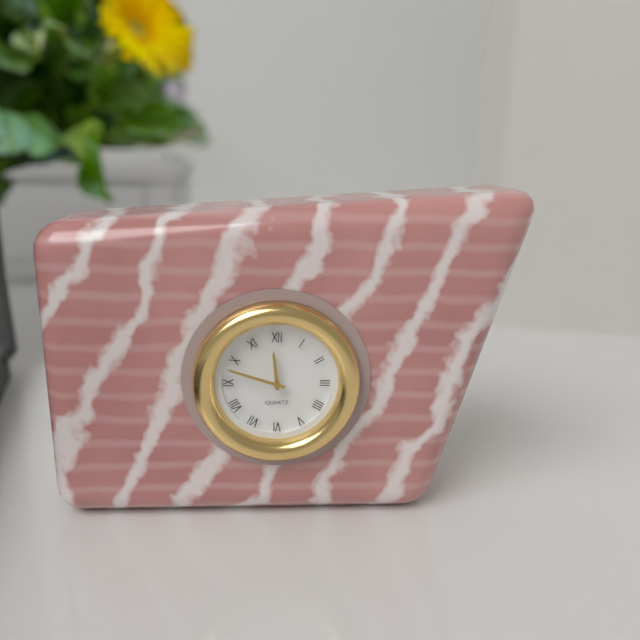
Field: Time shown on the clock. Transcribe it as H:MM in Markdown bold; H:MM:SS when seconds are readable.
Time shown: **11:48**
